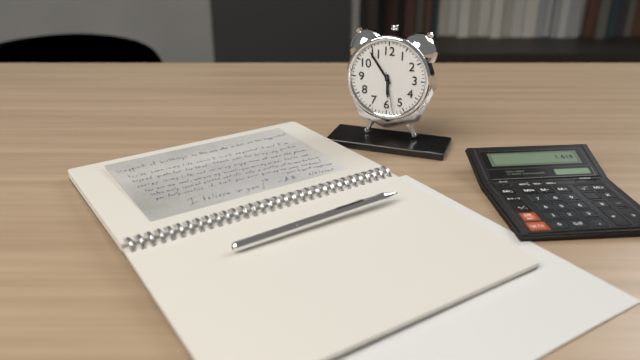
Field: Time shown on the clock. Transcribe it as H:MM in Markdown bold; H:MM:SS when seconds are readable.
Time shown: **5:54**
